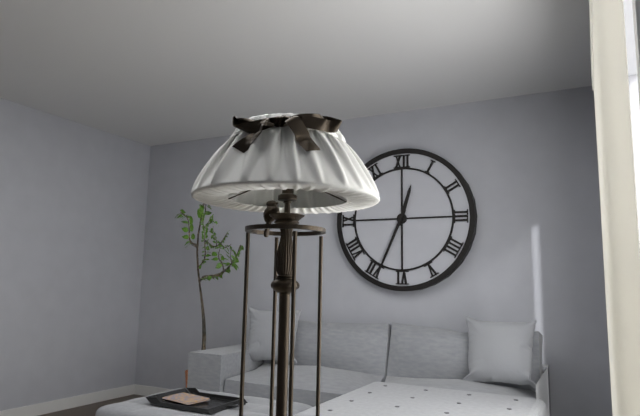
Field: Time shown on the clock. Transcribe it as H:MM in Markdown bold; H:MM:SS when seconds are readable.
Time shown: **12:34**
